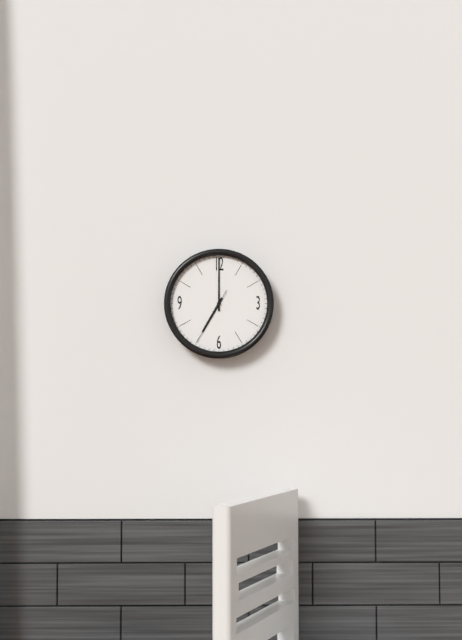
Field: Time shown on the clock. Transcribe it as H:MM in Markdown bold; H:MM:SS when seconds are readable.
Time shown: **7:00:35**
